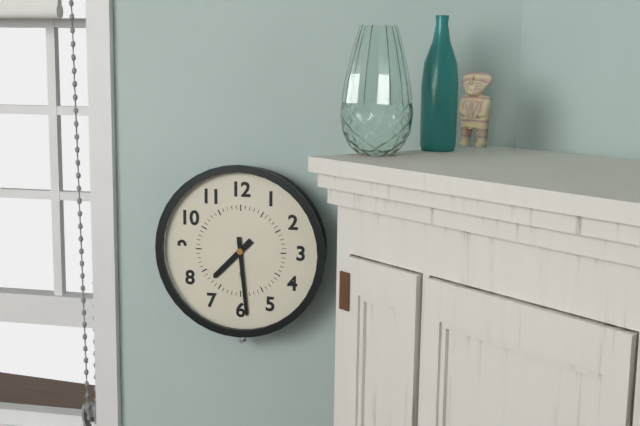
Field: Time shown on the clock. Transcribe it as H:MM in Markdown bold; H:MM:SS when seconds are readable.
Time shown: **7:29**
